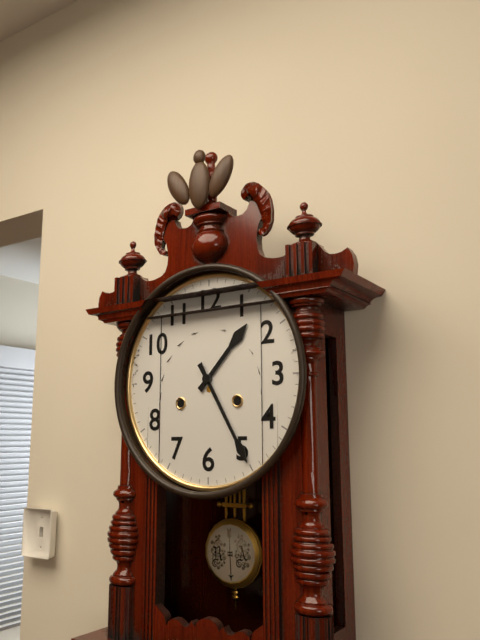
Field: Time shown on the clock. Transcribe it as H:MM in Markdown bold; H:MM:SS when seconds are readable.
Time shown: **1:25**
